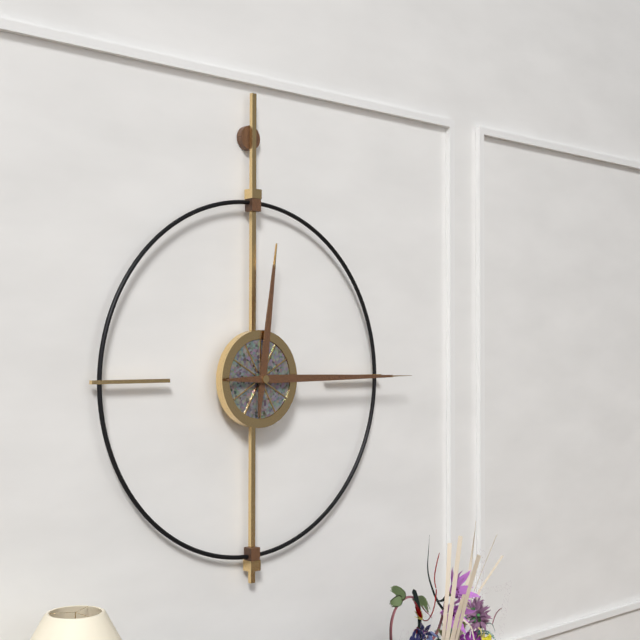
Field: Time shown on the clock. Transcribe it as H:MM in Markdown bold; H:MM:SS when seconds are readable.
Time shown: **12:15**
